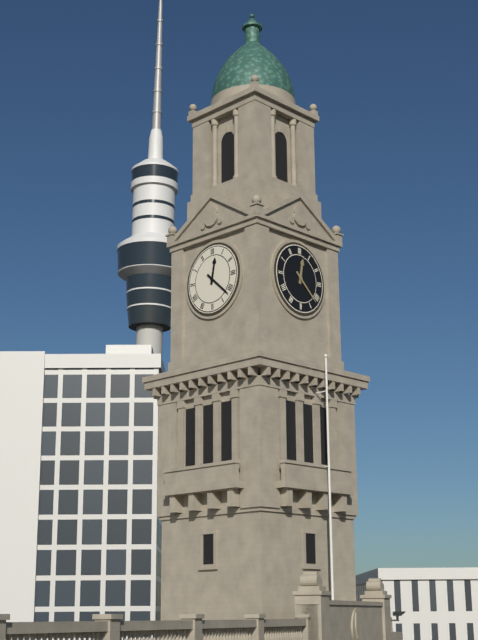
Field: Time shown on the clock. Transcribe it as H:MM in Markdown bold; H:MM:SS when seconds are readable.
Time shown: **12:22**
